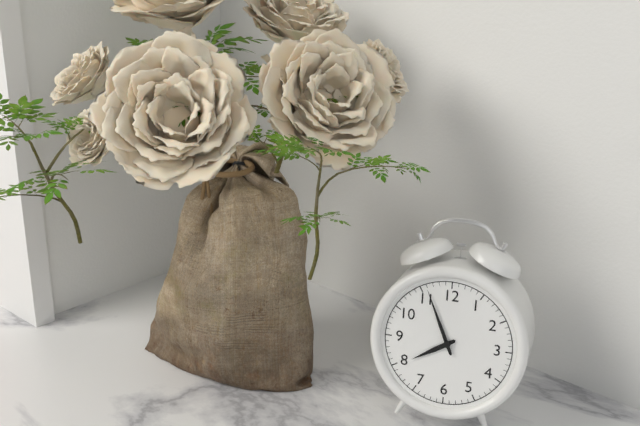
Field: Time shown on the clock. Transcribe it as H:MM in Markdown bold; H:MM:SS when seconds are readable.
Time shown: **7:56**
